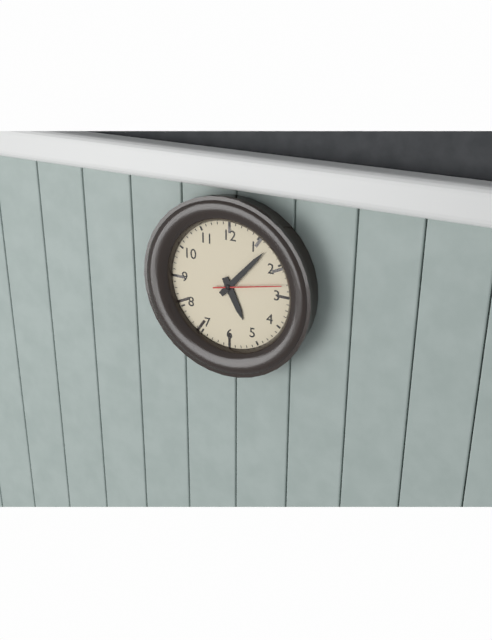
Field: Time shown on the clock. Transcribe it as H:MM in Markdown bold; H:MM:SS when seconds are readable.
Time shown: **5:07:13**
